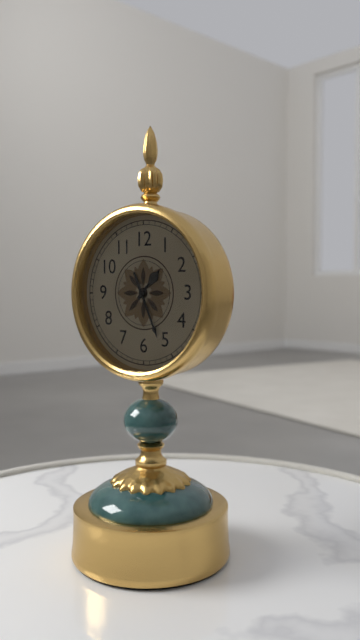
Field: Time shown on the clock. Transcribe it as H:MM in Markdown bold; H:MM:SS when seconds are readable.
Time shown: **1:26**
